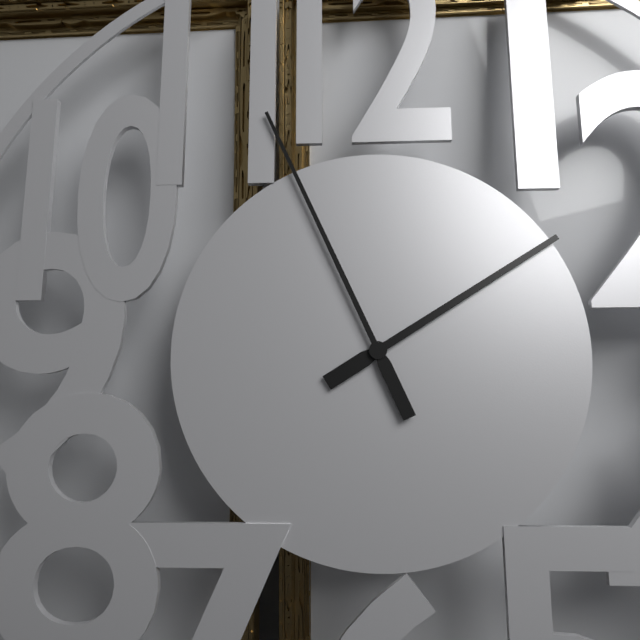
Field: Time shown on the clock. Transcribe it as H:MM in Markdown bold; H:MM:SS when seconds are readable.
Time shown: **1:56**
